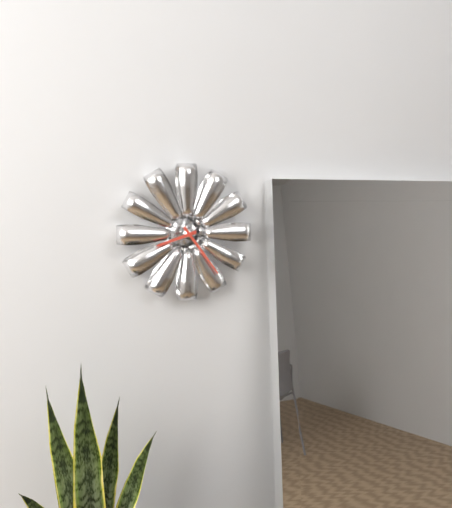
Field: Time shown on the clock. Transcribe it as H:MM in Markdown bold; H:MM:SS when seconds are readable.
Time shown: **8:24**
